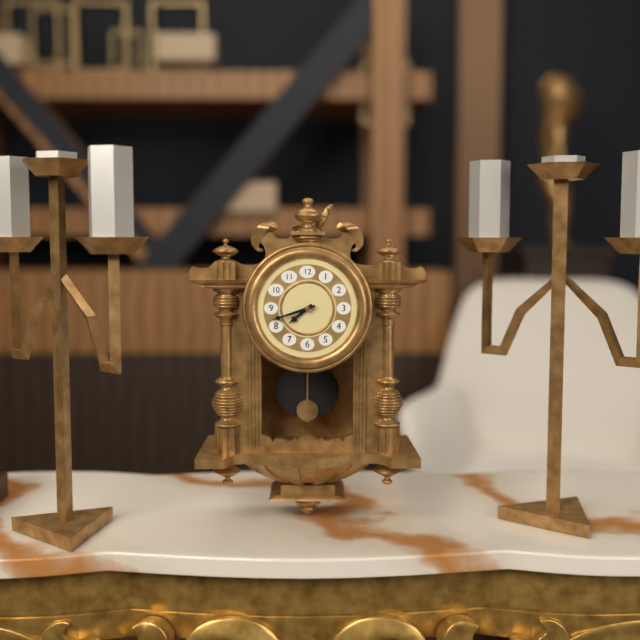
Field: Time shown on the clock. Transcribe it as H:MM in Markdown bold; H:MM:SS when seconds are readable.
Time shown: **7:42**
